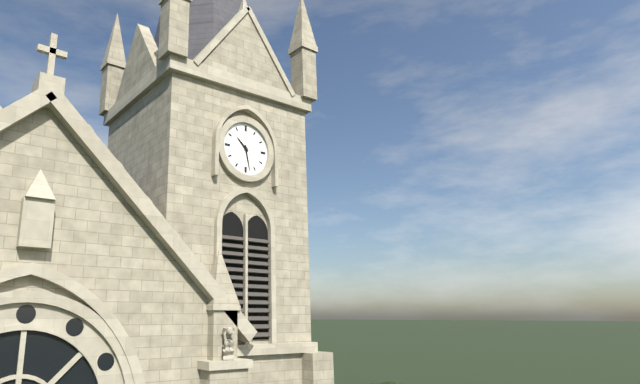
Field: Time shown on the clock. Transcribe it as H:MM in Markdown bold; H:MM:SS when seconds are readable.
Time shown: **10:28**
